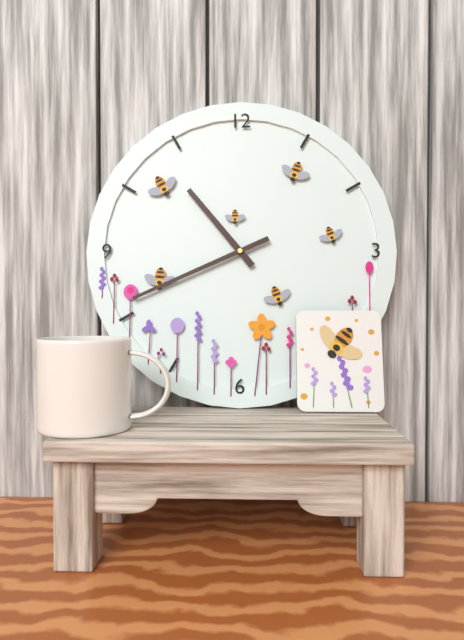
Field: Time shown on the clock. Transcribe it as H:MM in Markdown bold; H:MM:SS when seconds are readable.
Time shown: **10:41**
